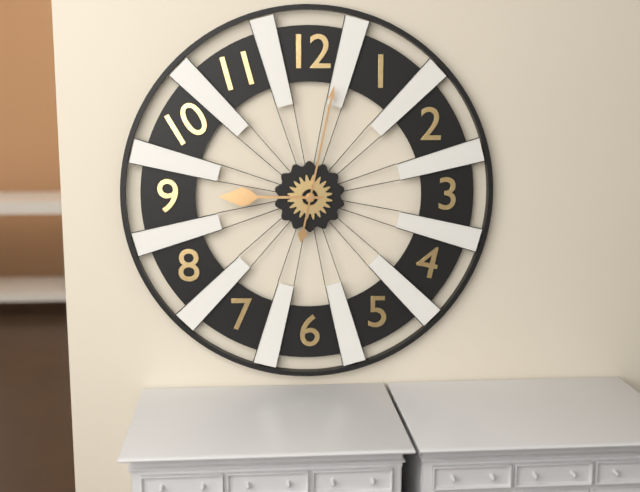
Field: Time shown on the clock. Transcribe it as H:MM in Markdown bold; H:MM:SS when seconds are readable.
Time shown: **9:02**
